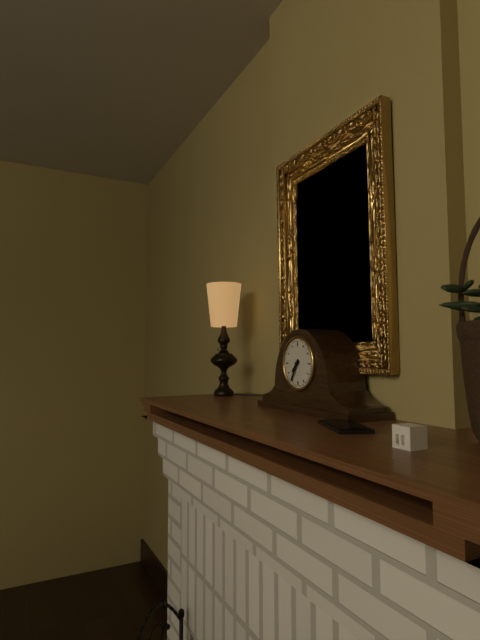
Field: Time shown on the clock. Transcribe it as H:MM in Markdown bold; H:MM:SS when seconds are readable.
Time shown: **7:35**
